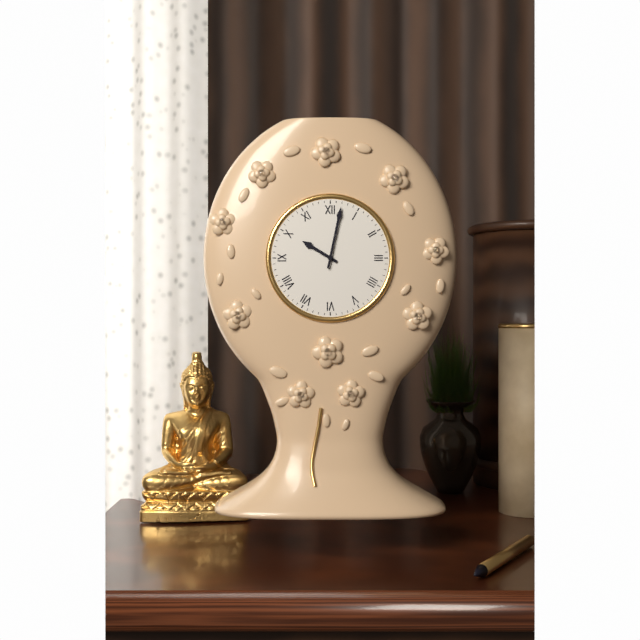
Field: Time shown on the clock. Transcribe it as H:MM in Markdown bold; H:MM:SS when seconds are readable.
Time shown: **10:02**
